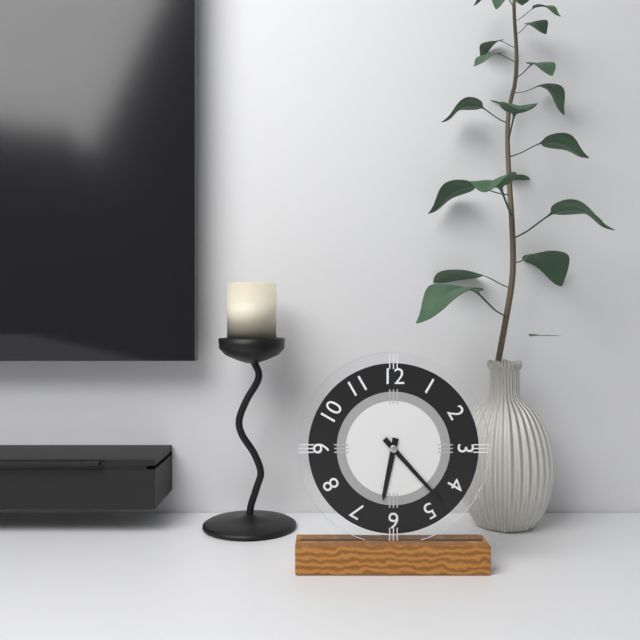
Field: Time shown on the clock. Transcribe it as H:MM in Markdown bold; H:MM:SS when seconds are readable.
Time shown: **6:23**
